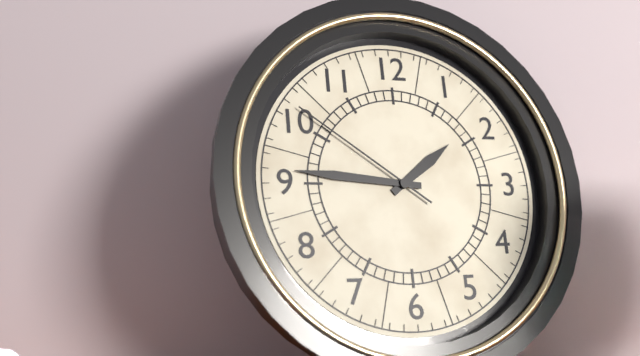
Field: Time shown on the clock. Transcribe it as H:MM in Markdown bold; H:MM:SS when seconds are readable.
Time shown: **1:46:51**
